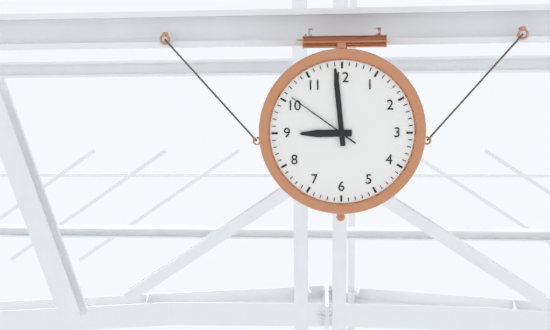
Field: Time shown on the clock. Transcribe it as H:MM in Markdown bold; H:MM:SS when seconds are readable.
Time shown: **8:59:51**
